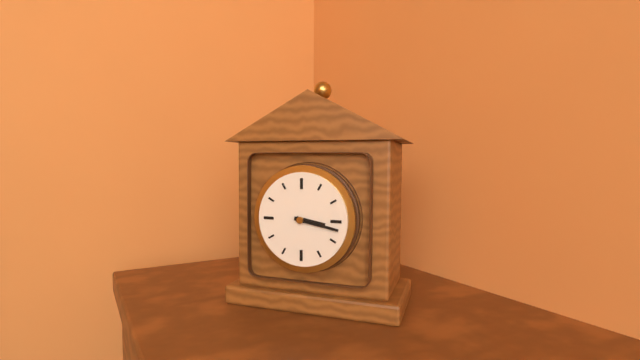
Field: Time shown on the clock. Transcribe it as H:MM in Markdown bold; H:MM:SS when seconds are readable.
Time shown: **3:17**
